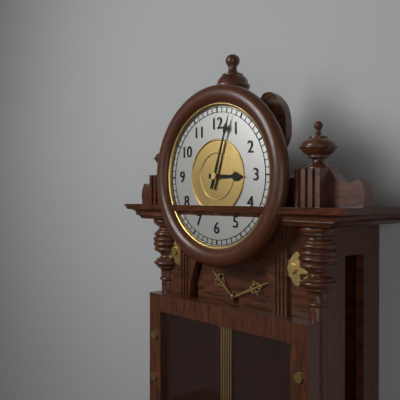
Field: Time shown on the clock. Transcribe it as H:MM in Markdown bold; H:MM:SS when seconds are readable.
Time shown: **3:03**
